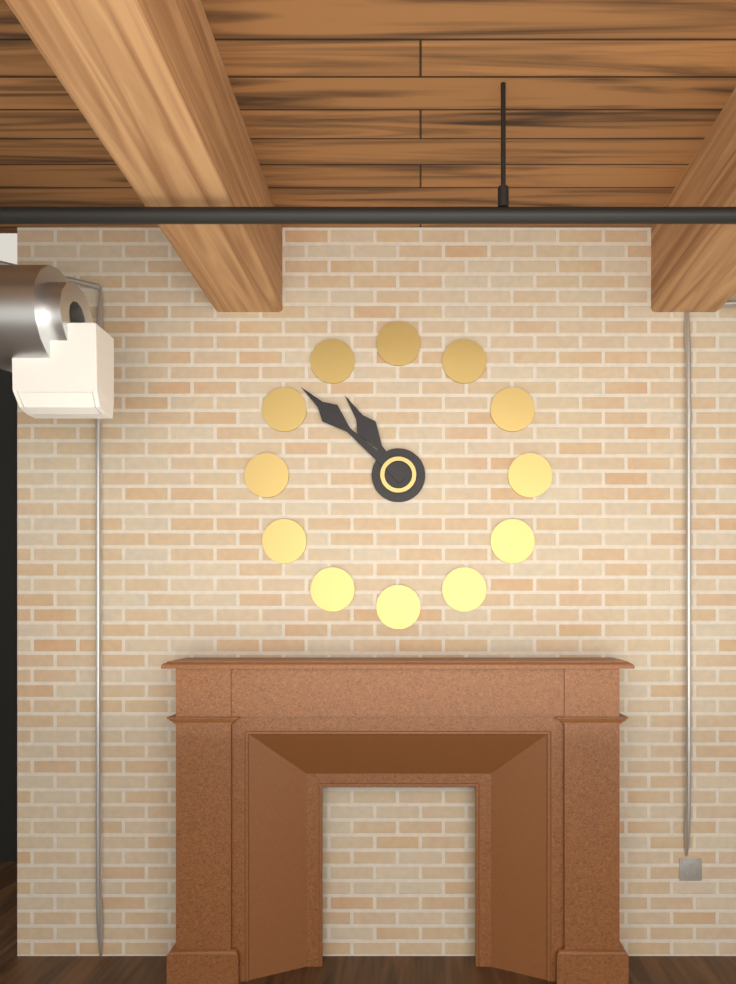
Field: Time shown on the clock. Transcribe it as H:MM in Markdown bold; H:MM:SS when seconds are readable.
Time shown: **10:52**
